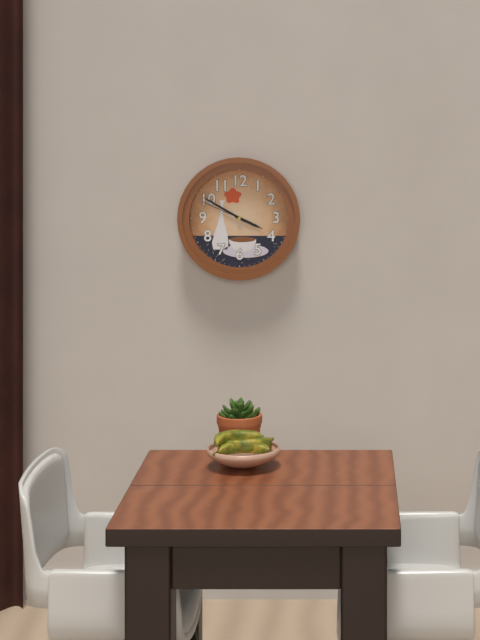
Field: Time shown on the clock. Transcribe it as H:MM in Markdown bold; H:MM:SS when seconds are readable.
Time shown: **3:50:49**
